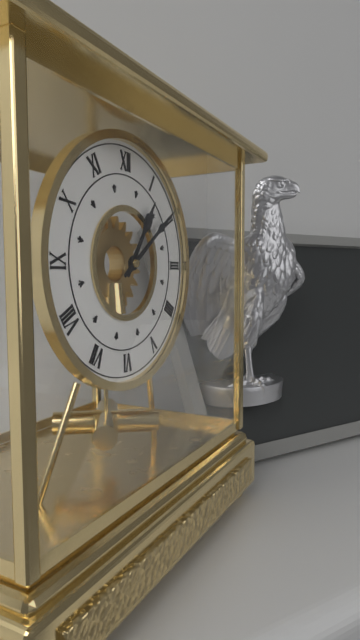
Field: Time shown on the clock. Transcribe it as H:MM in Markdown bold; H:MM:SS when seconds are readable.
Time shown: **1:09**
